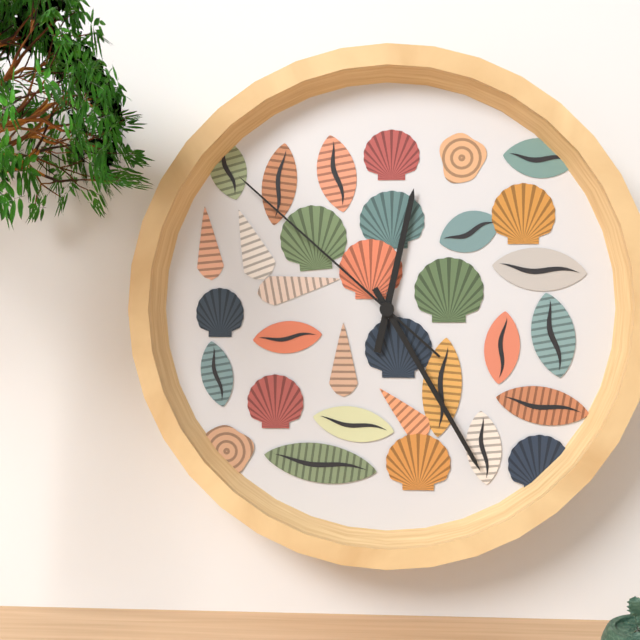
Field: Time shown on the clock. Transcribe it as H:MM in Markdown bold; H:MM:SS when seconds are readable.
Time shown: **12:25:52**
